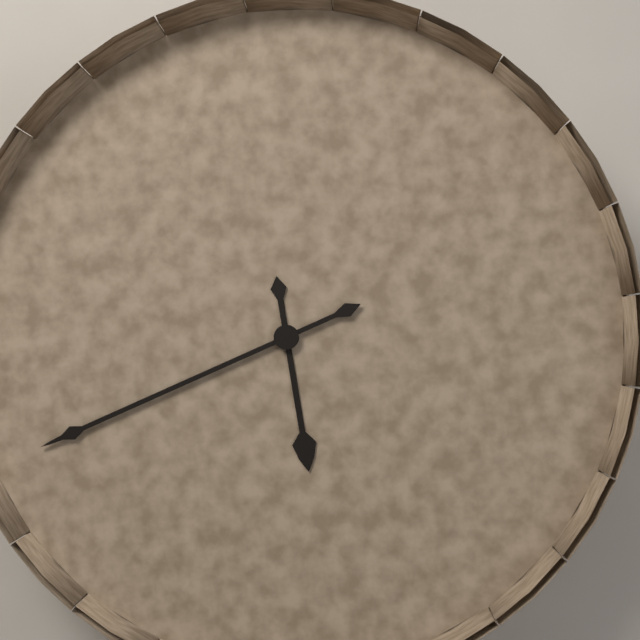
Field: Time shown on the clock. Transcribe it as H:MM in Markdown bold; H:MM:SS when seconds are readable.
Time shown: **5:41**
